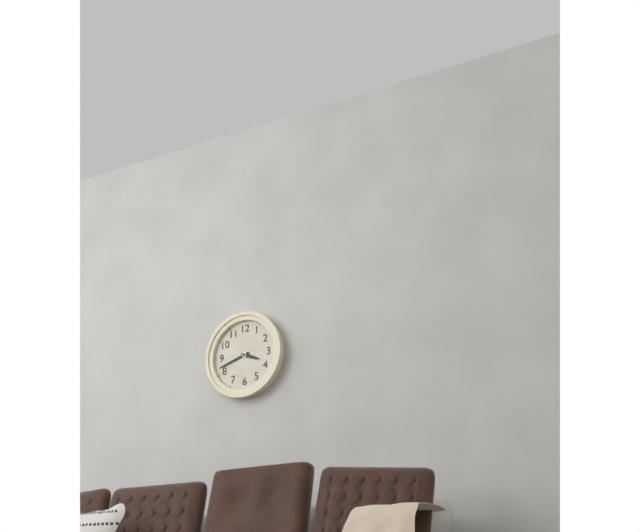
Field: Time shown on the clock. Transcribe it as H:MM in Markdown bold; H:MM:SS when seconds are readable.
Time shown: **3:42**
